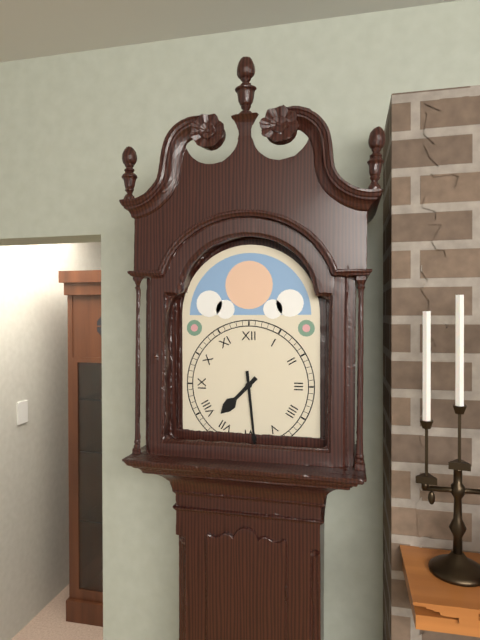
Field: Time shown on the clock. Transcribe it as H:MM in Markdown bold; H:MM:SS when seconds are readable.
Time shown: **7:29**
